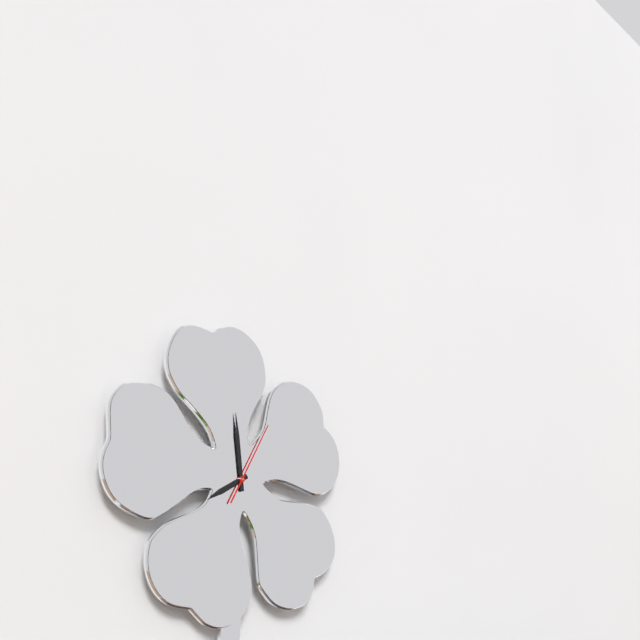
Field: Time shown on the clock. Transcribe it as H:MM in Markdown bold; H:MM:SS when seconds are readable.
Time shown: **7:59:05**
